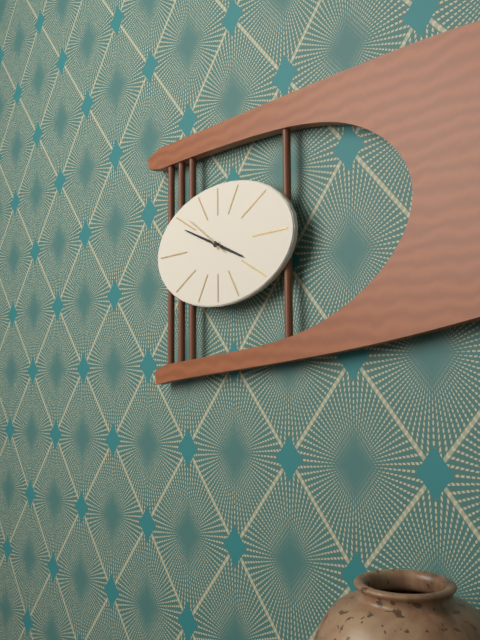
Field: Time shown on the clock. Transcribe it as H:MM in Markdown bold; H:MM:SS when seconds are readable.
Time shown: **3:49**
